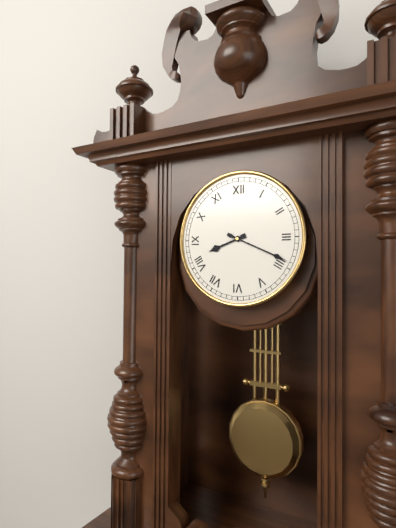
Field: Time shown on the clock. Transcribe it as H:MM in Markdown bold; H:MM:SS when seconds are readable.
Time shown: **8:19**
